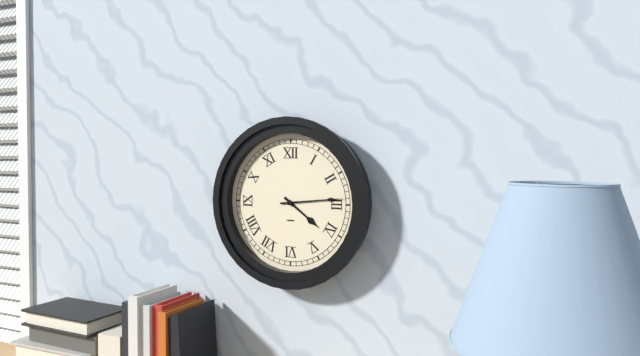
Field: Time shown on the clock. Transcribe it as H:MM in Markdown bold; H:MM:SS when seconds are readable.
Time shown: **4:14**
